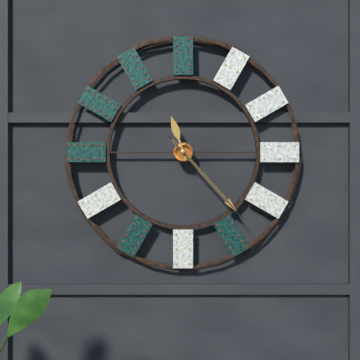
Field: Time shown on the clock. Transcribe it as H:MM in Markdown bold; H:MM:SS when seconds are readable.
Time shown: **11:23:23**
